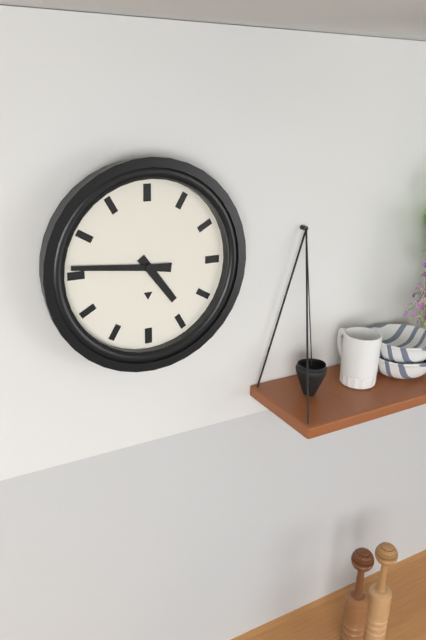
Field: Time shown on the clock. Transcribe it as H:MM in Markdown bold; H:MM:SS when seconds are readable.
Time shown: **4:46**
